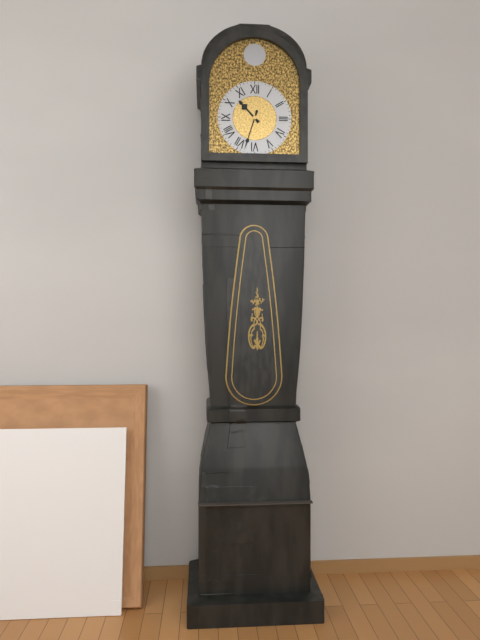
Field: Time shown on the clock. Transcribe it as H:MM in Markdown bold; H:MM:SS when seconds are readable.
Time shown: **10:33**
